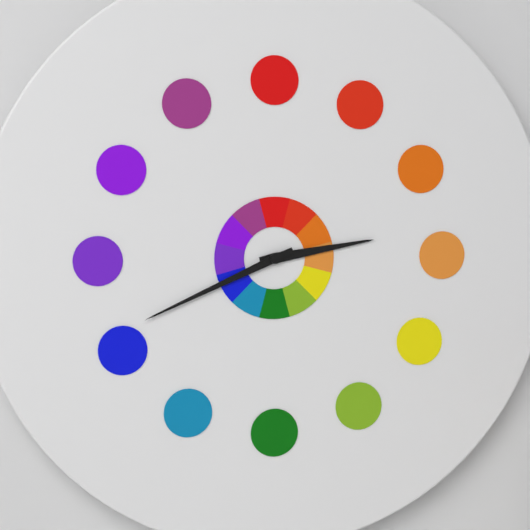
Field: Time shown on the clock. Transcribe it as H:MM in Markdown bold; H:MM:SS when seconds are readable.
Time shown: **2:41**
